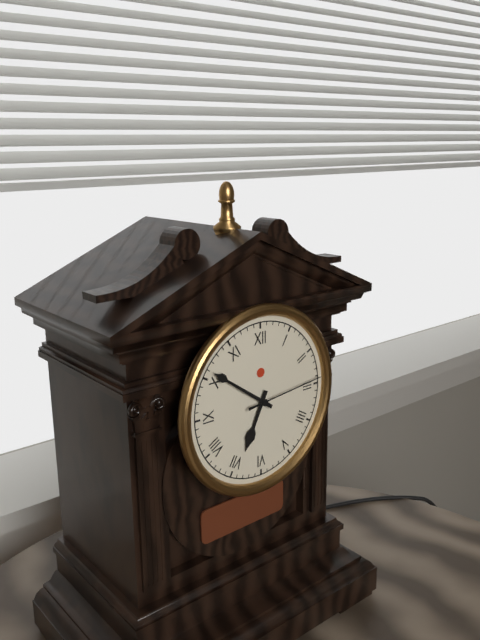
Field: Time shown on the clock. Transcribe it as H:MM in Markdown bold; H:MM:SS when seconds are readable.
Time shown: **6:51:14**
